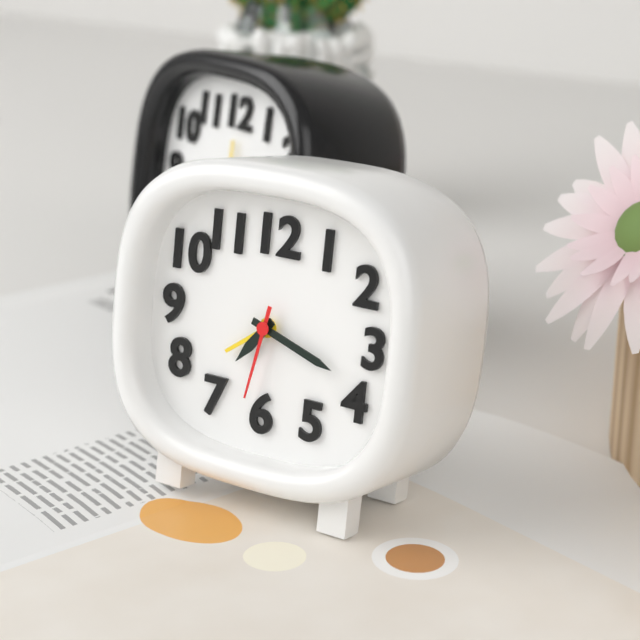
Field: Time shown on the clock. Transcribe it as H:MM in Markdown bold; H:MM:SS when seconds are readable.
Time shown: **7:18:32**
